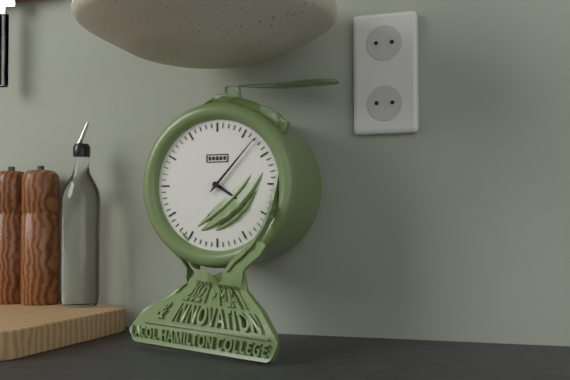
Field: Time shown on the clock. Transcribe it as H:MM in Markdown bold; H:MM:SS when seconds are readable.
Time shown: **4:07**
